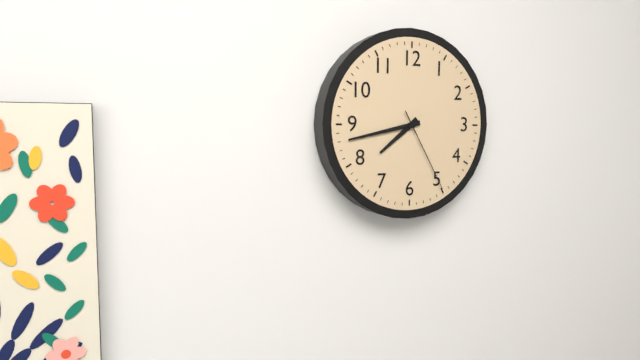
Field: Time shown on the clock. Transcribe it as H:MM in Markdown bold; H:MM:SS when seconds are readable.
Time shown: **7:43:25**
